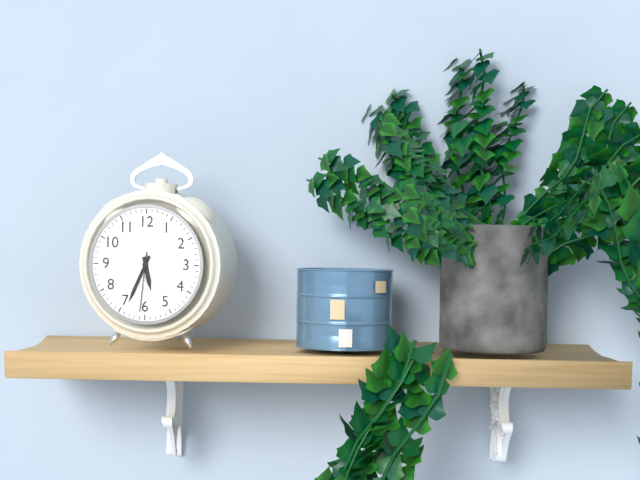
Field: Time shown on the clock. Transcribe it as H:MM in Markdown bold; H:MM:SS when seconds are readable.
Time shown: **5:34:31**
